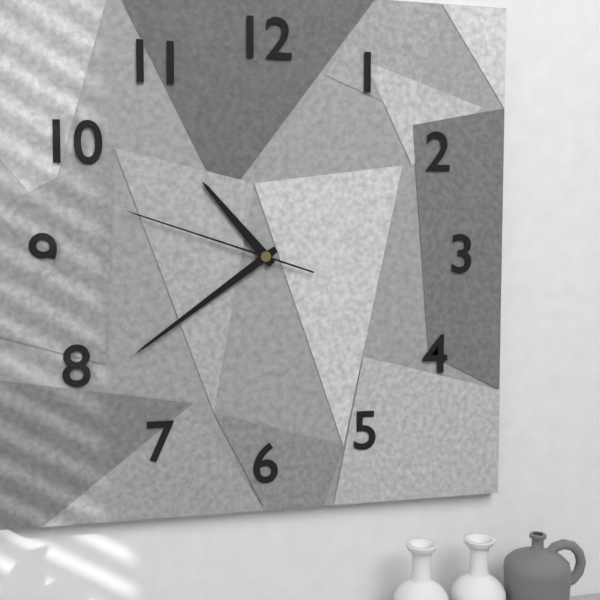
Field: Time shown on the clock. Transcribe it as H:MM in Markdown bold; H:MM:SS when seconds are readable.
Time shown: **10:39:48**
